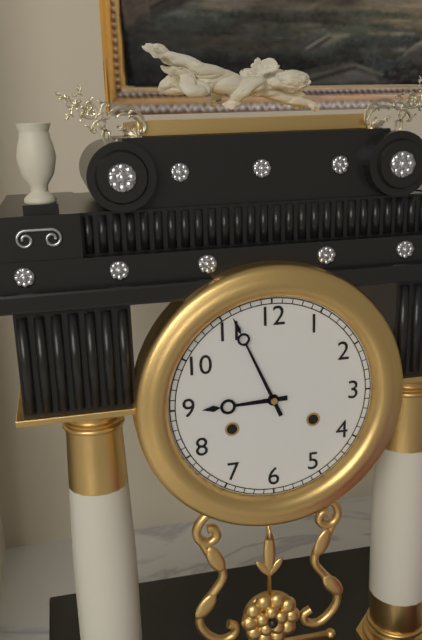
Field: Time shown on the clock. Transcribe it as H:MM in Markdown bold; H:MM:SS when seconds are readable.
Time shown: **8:56**
